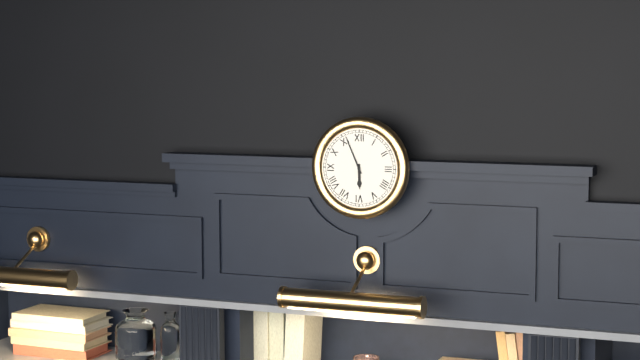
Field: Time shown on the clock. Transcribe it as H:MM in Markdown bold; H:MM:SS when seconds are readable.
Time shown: **5:56**
